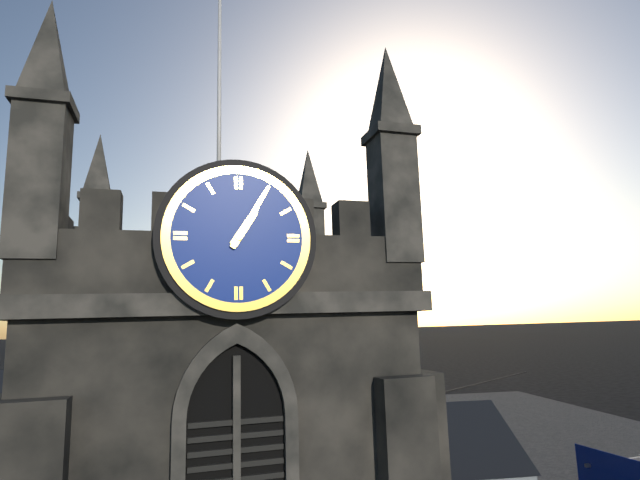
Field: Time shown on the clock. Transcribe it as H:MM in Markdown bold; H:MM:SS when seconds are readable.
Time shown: **1:05**
